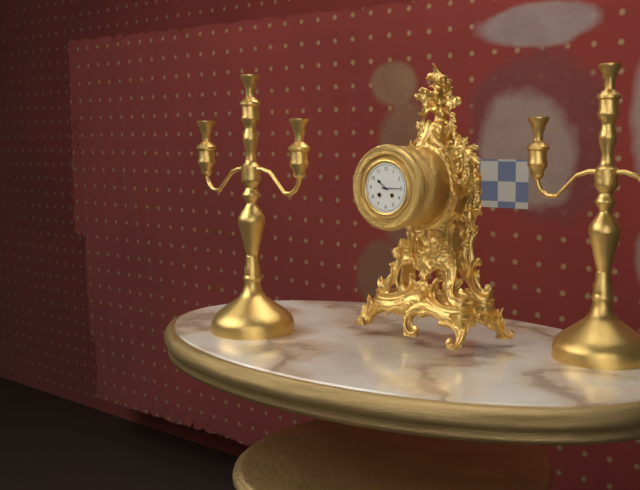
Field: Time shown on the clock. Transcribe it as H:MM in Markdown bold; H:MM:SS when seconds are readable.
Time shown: **10:15**
